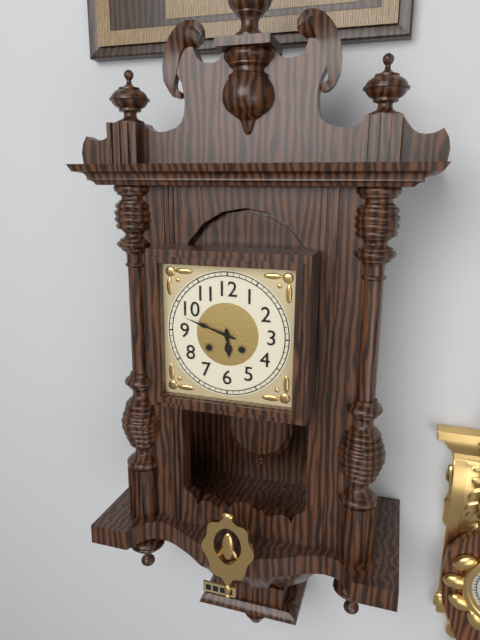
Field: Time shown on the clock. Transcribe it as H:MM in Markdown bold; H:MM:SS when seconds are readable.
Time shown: **5:48**
